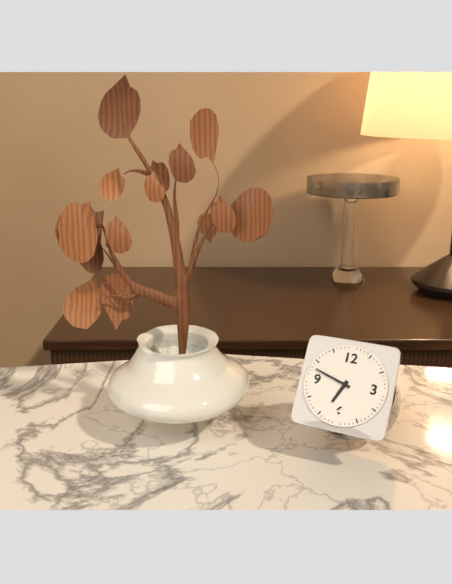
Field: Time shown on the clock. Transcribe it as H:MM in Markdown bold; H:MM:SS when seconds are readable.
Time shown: **6:48**
